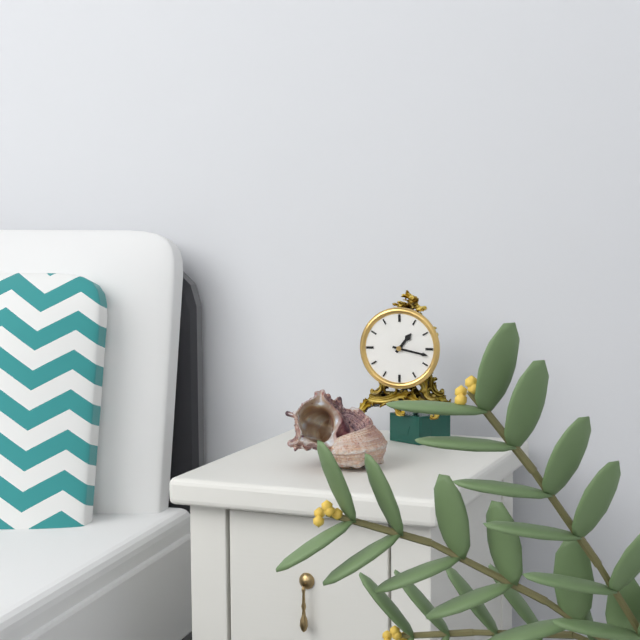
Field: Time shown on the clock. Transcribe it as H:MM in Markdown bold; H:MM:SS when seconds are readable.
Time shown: **1:17**
